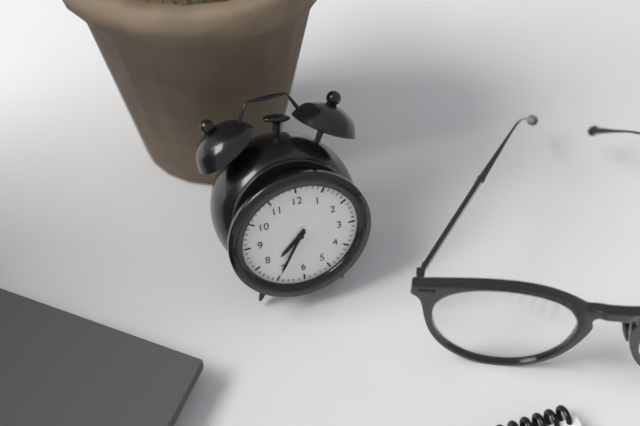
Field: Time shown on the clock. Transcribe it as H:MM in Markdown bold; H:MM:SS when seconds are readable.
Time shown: **7:35**
